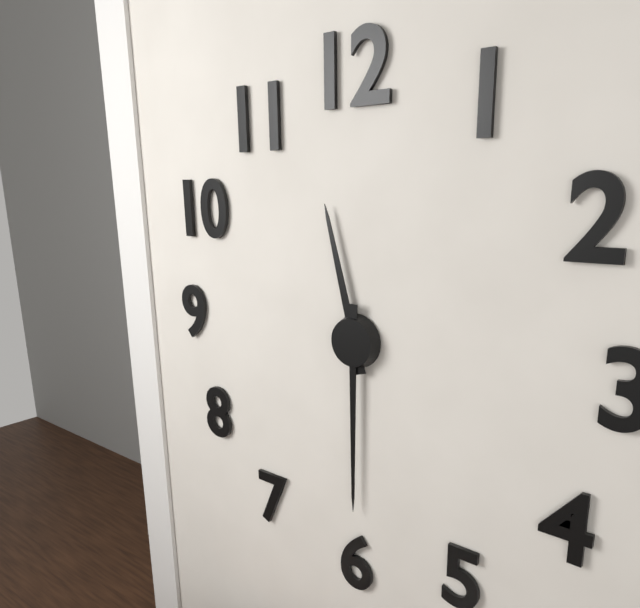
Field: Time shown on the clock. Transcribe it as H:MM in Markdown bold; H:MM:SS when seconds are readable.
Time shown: **11:30**
